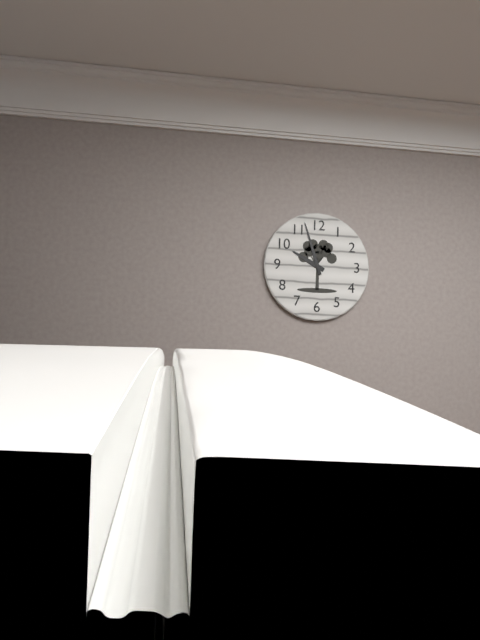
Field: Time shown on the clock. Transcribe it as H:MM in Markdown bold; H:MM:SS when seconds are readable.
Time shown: **9:57**
